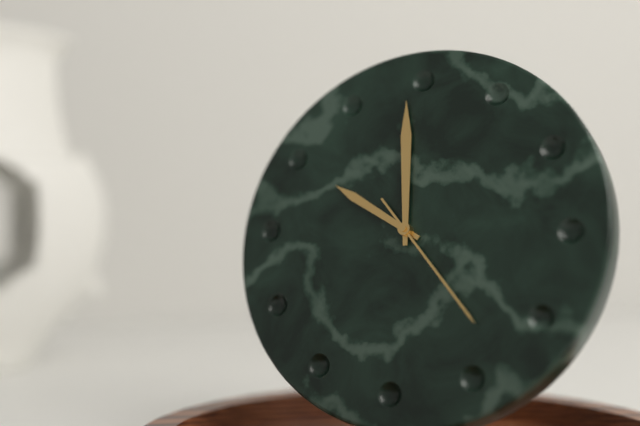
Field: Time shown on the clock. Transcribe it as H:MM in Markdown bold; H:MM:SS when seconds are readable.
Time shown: **9:59:23**
